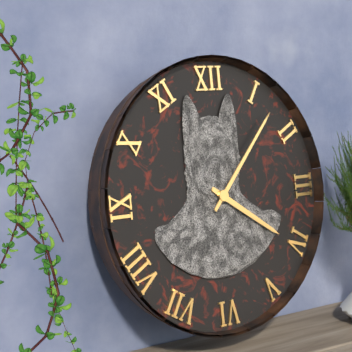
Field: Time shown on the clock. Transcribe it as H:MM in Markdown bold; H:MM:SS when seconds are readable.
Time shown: **4:07**
